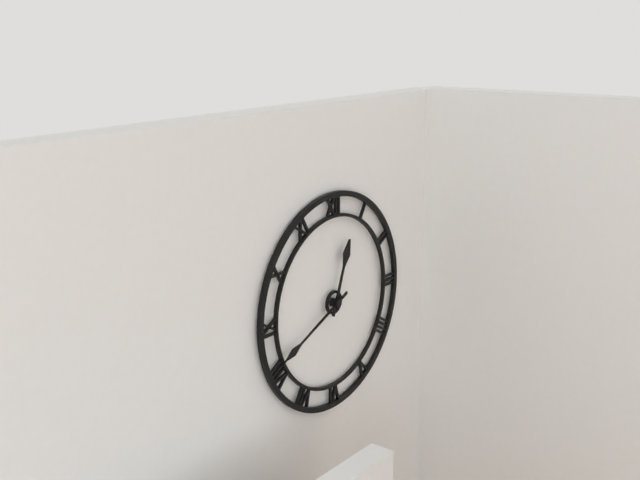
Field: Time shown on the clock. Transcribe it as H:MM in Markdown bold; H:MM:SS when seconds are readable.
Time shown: **12:41**
